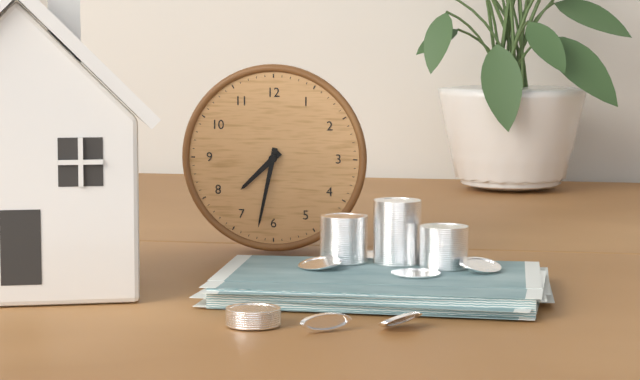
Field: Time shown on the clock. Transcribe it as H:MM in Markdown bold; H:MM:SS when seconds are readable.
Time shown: **7:32**
